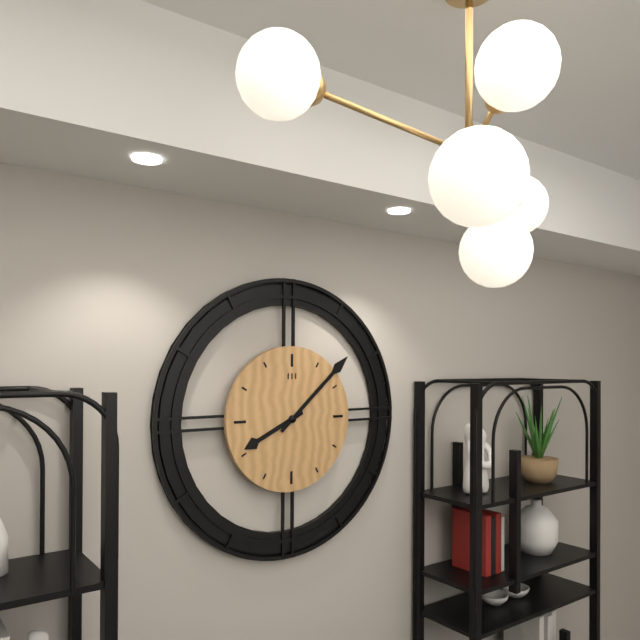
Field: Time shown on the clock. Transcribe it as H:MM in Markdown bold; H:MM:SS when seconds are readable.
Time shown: **8:08**
